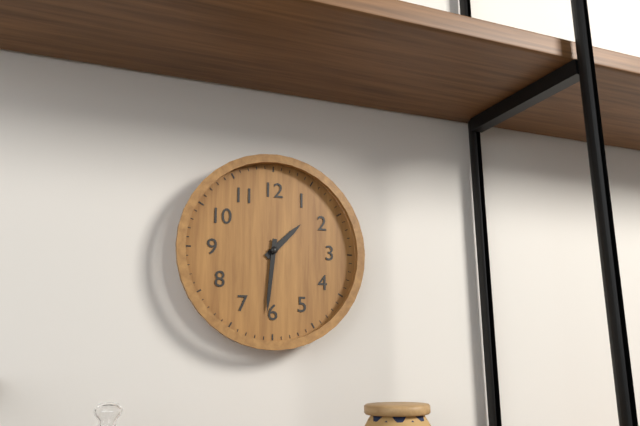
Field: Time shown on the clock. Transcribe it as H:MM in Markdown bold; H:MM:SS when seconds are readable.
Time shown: **1:31**
